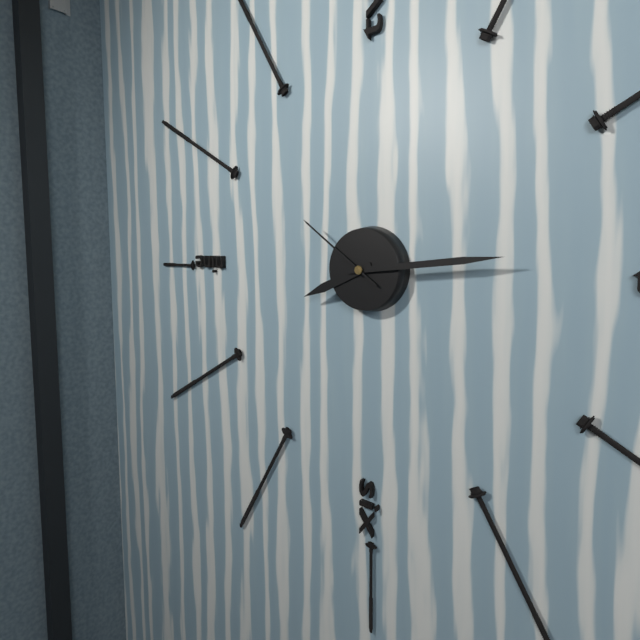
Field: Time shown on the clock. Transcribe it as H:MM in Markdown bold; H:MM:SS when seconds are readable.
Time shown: **8:14:51**
